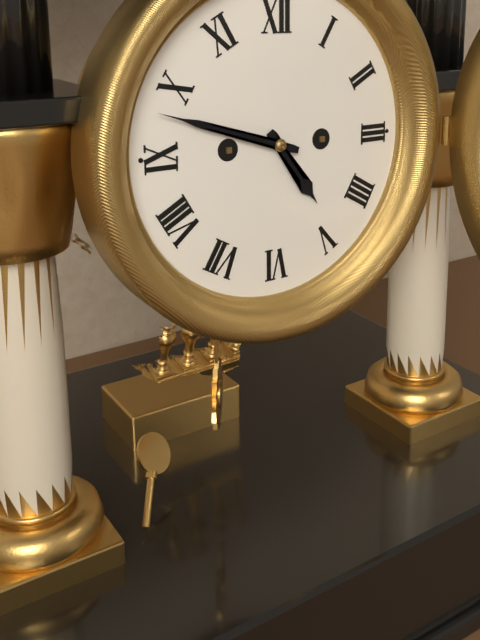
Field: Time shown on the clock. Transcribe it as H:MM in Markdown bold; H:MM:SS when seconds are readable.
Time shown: **4:48**
